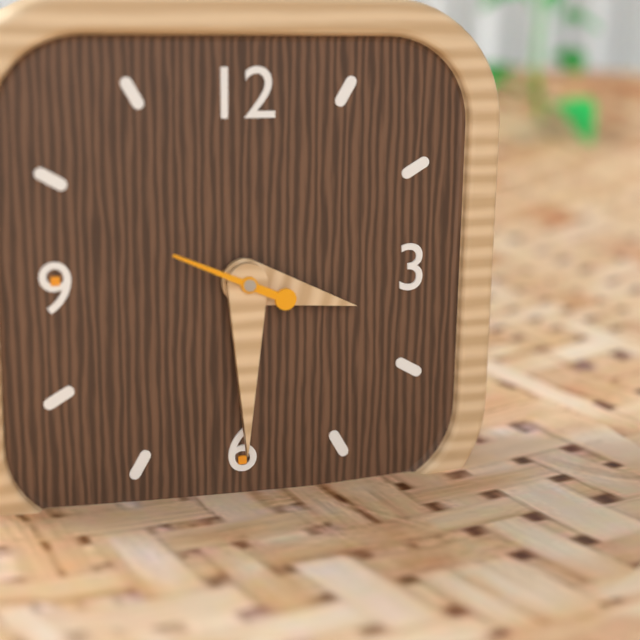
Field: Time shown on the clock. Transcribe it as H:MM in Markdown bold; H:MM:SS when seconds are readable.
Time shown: **3:30:49**
